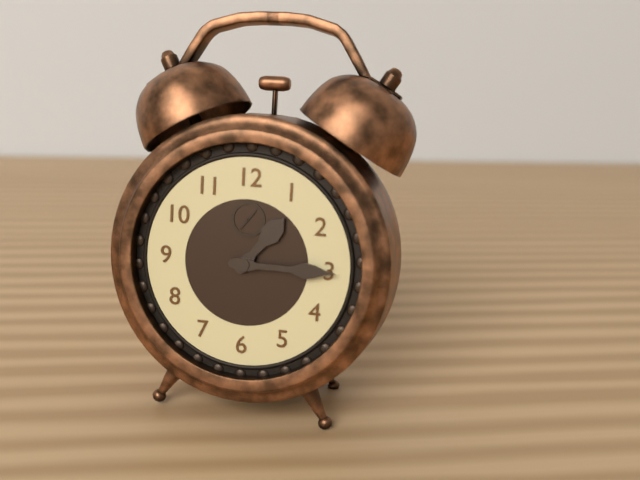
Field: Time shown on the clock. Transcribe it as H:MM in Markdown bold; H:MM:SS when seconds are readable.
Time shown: **1:15**
